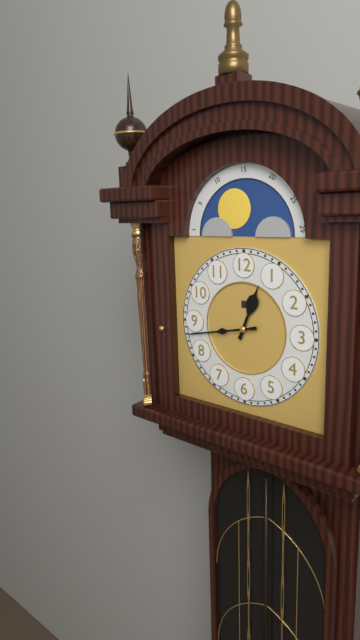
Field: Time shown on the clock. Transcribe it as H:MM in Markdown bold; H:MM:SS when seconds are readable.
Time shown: **12:43**
